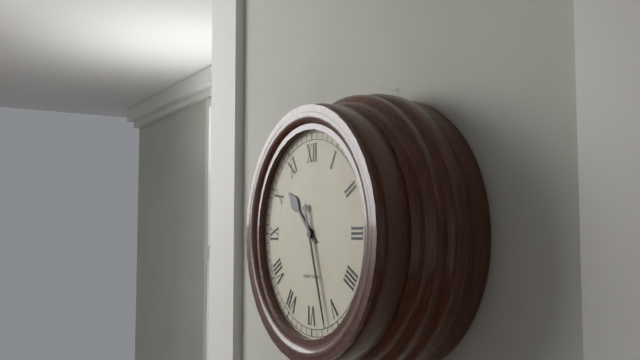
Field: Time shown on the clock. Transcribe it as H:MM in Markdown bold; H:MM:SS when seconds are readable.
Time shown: **10:27**
